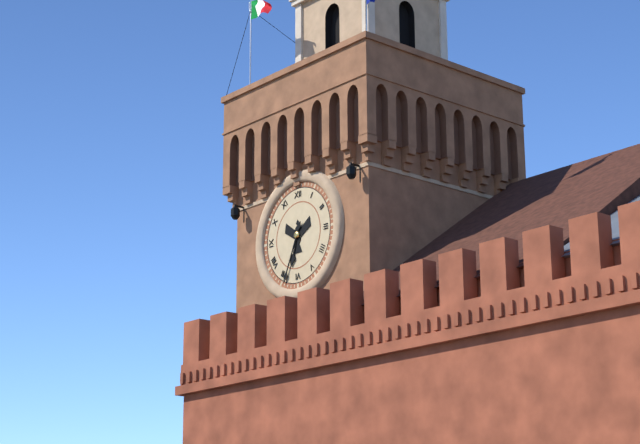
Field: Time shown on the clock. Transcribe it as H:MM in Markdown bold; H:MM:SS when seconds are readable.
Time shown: **6:34**
